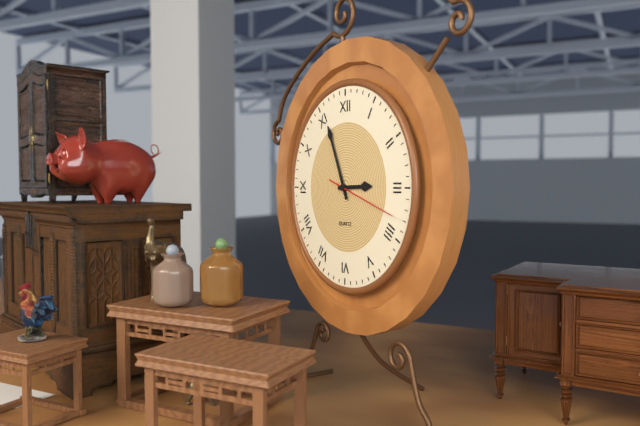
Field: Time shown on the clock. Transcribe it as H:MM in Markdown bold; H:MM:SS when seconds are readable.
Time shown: **2:56:18**
